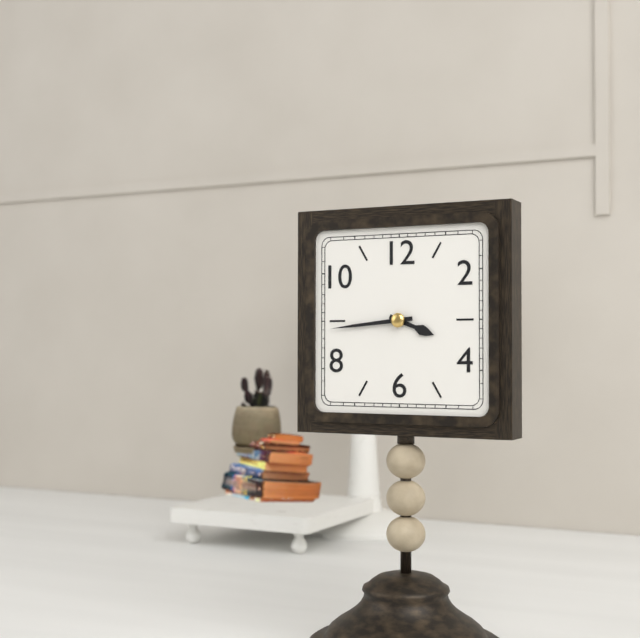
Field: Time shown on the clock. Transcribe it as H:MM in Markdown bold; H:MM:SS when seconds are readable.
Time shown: **3:44**
